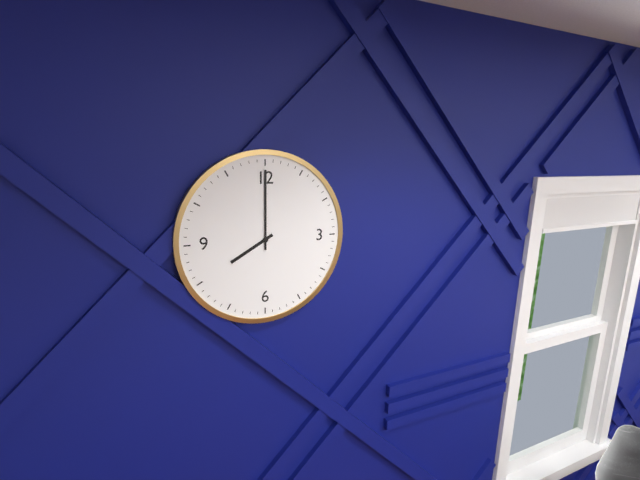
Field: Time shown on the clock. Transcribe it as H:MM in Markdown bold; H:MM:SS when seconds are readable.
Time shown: **8:00**
